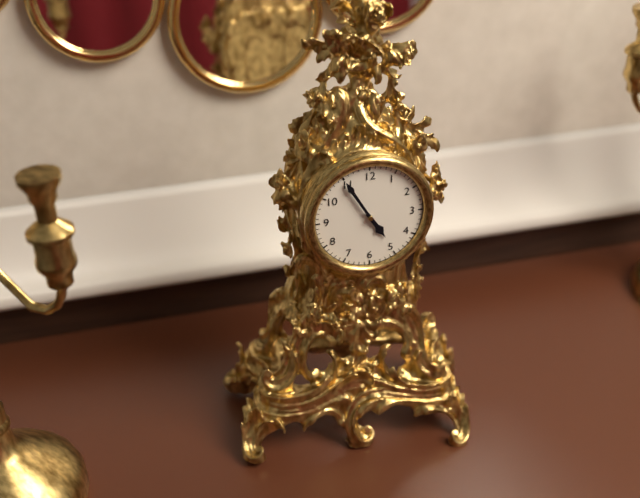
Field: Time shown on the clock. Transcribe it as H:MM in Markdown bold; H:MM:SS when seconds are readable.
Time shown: **4:55**
